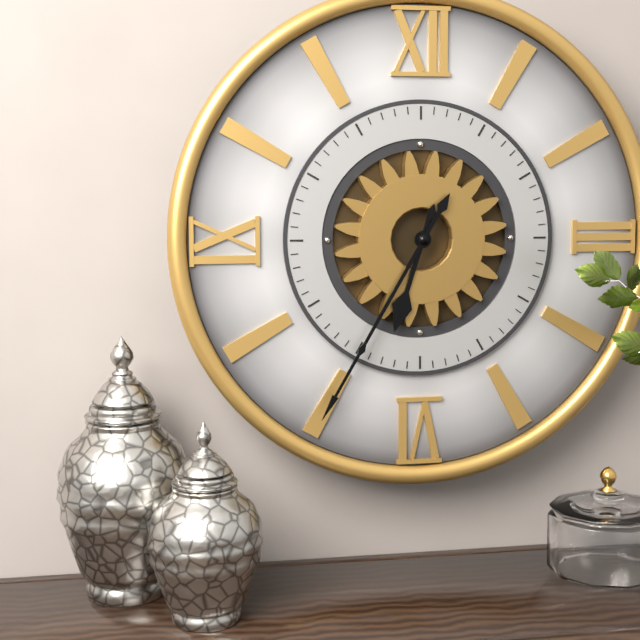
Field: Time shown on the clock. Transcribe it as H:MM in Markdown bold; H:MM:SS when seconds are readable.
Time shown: **6:35**
